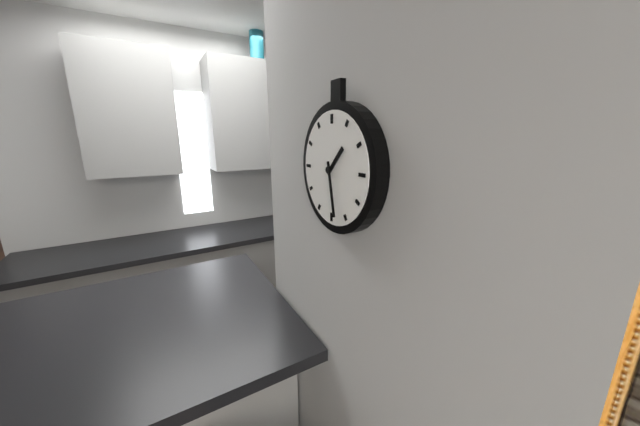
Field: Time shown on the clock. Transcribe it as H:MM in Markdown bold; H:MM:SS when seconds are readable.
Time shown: **1:28**
